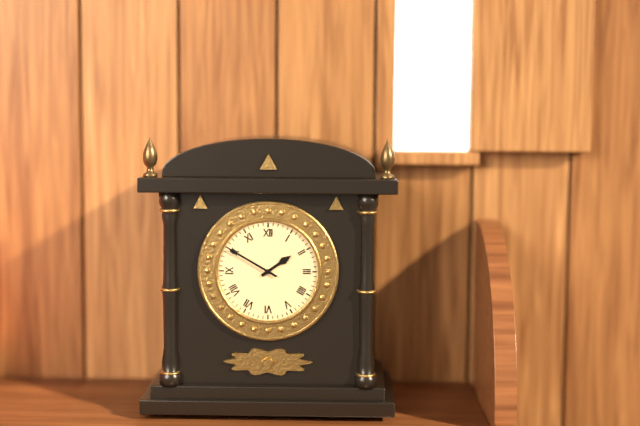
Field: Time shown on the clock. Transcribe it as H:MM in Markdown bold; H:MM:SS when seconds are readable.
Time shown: **1:50**
